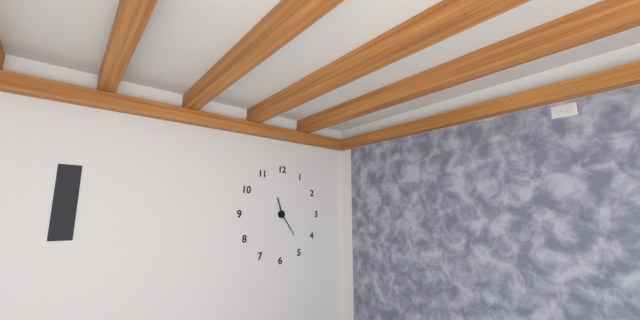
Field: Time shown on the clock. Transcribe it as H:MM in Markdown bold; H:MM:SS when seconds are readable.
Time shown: **11:24**
